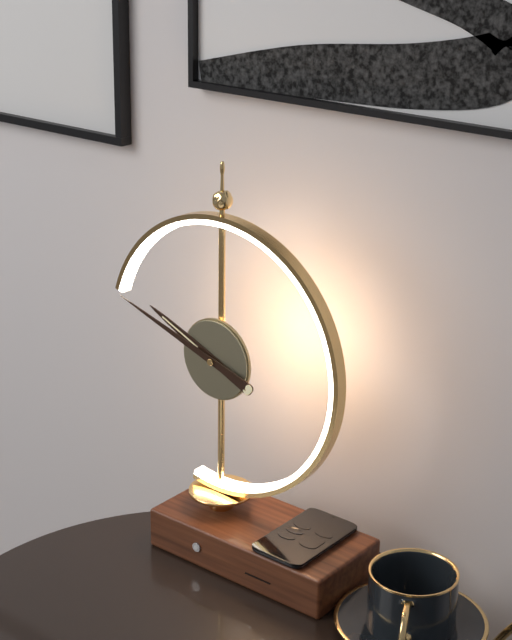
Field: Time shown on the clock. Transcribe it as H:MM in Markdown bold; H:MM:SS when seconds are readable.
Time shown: **9:48**
